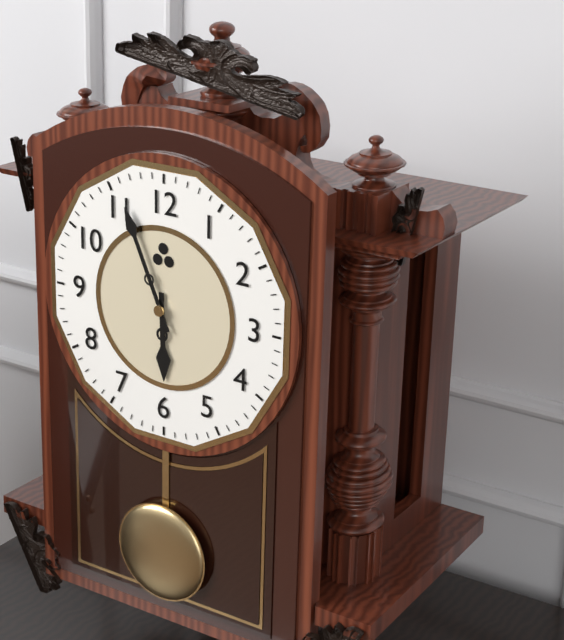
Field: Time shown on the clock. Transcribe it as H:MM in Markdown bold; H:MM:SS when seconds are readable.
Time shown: **5:56**
